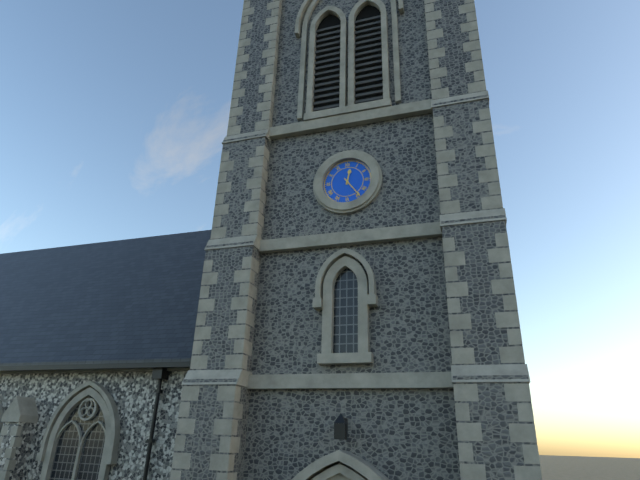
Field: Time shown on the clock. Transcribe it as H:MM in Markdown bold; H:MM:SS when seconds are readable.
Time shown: **12:24**
